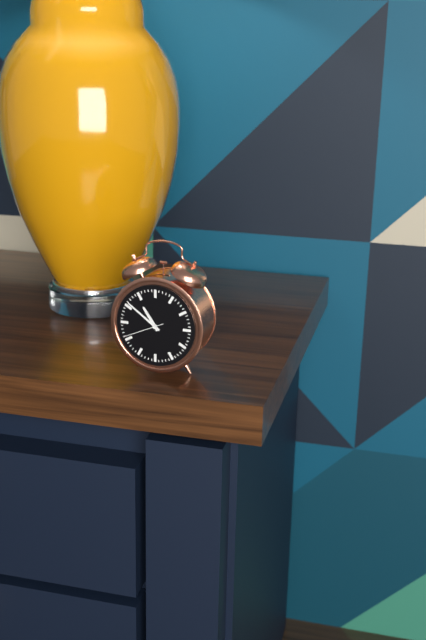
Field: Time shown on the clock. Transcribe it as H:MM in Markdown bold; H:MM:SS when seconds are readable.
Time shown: **10:51**
